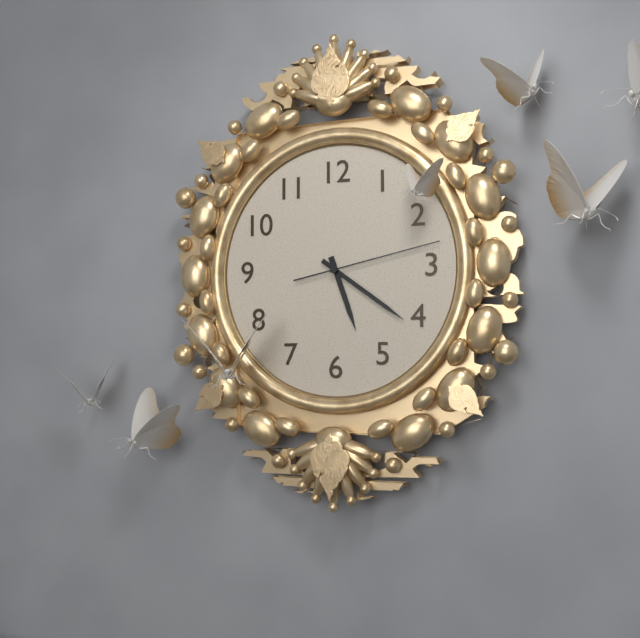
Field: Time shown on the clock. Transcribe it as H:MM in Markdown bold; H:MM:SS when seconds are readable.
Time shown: **5:21:13**
